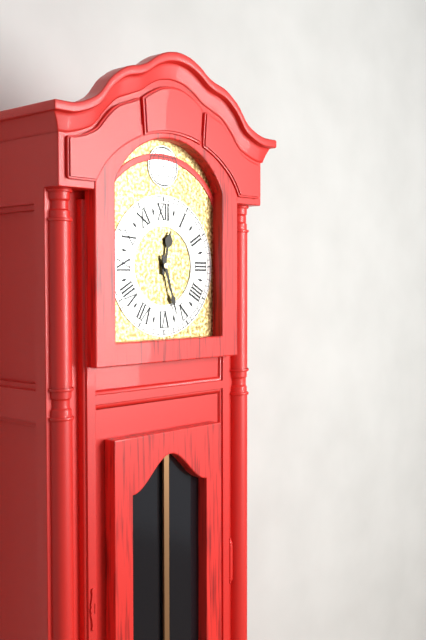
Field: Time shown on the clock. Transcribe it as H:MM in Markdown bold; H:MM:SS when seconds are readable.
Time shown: **12:27**
